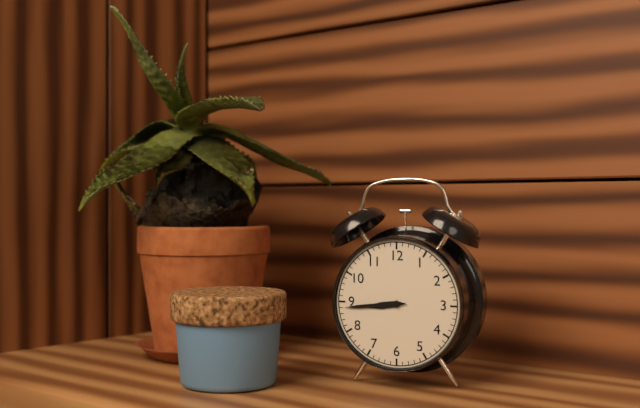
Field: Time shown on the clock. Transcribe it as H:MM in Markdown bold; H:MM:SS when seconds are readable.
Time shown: **8:44**
